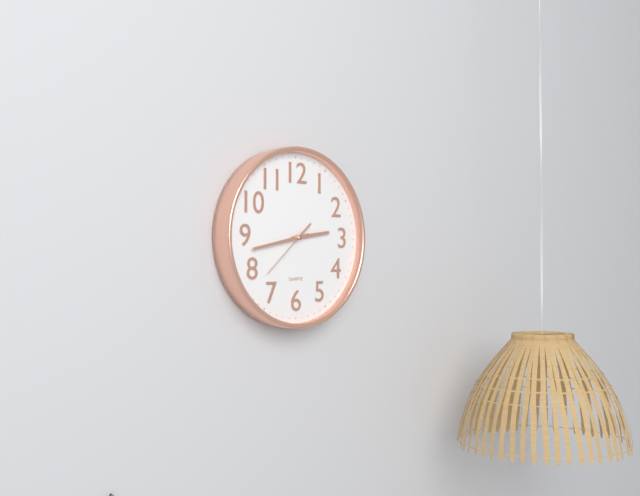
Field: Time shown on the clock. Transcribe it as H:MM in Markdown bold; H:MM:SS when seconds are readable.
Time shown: **2:43**
